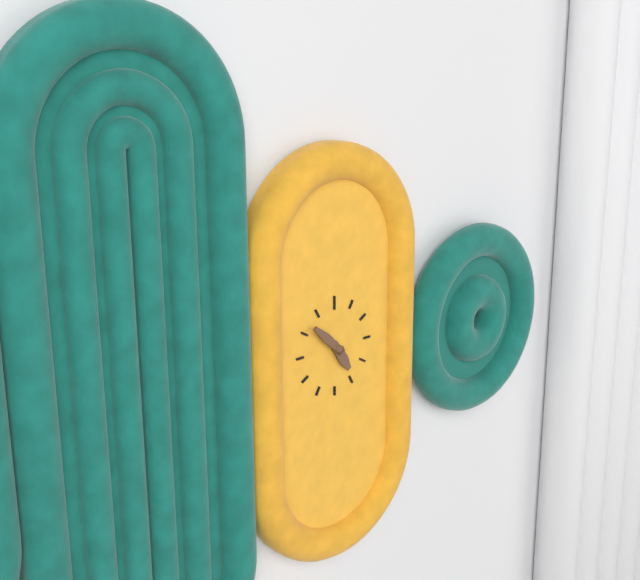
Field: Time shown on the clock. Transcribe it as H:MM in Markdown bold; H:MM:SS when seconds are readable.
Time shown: **4:52**
